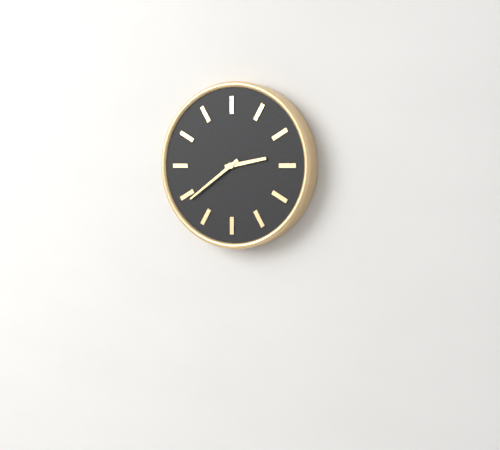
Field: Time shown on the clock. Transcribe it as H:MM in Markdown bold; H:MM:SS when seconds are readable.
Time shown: **2:39**
